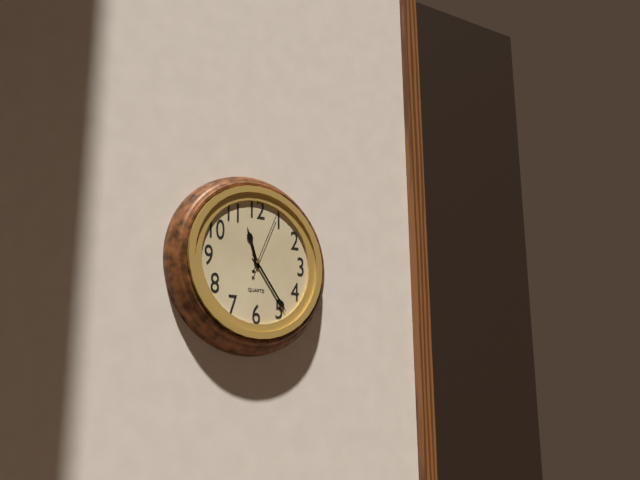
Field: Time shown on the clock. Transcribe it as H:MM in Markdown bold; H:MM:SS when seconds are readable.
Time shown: **11:24:04**
